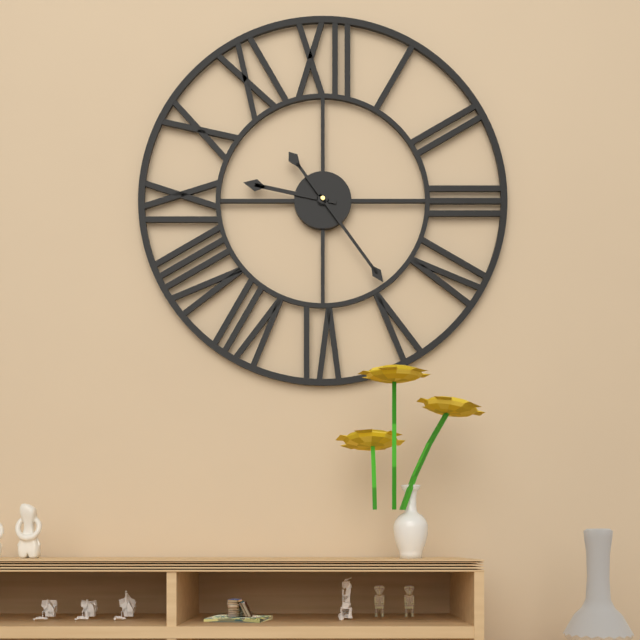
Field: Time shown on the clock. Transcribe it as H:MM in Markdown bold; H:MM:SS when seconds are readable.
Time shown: **9:24**
